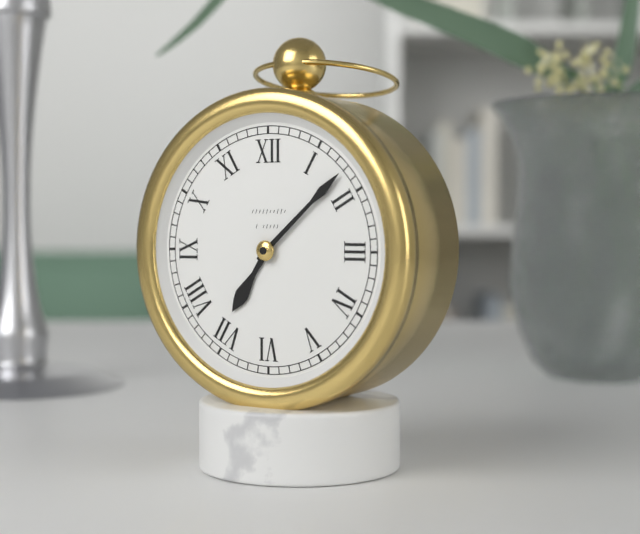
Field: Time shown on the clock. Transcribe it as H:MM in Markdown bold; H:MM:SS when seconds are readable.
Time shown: **7:08**
